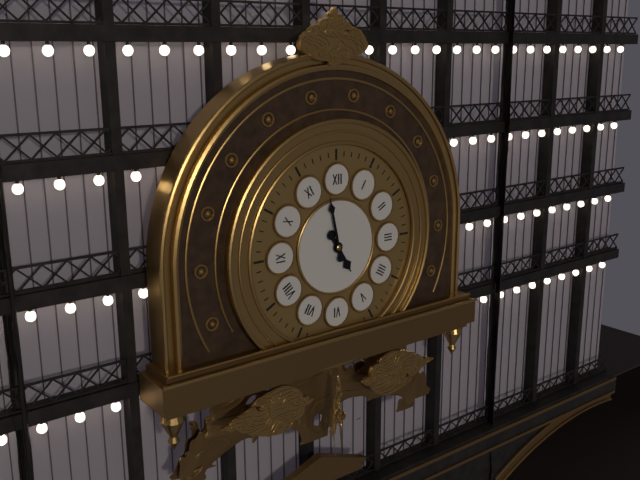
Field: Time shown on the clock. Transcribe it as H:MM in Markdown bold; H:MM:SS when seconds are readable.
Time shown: **4:58**
